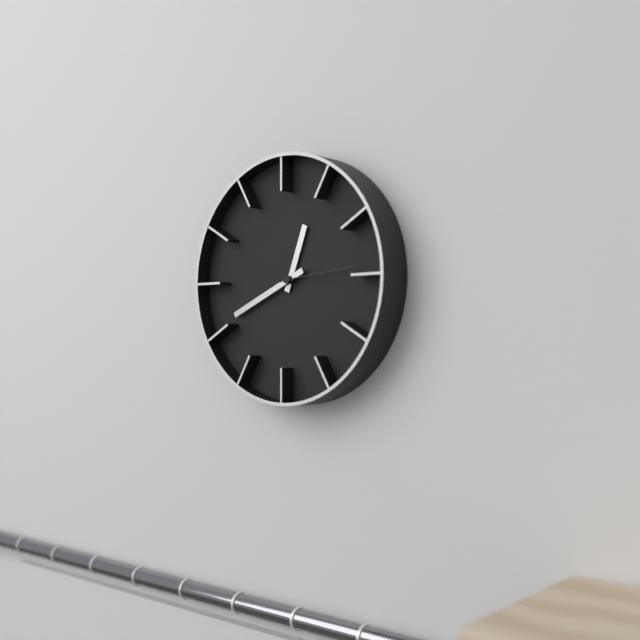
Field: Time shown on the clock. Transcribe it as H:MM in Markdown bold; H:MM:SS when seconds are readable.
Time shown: **12:41:14**
